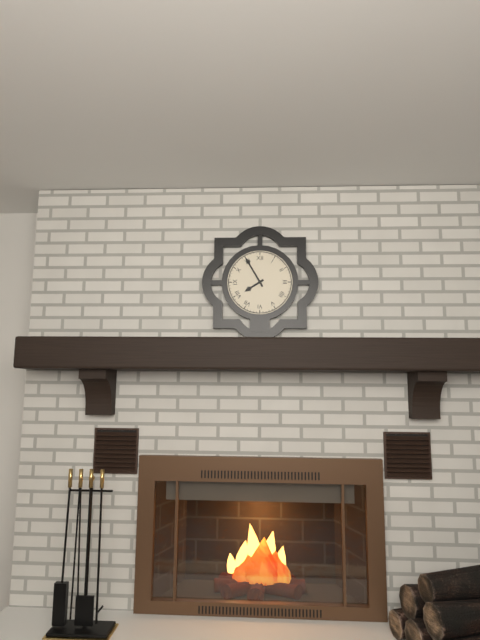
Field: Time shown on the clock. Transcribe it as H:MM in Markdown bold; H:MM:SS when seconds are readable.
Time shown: **7:55**
